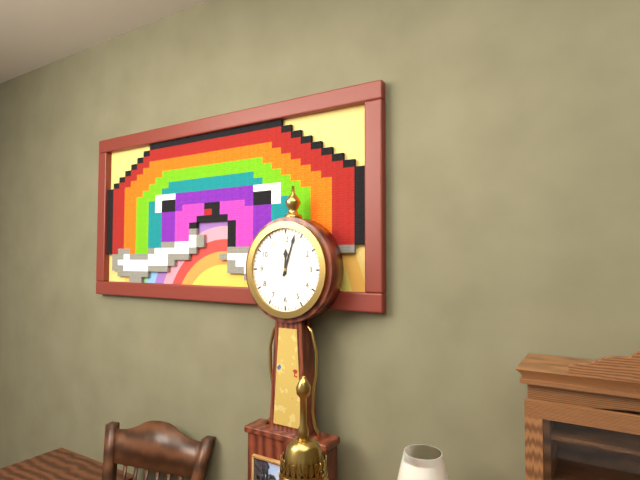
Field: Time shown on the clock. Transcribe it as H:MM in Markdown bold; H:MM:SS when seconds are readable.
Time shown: **12:03**
